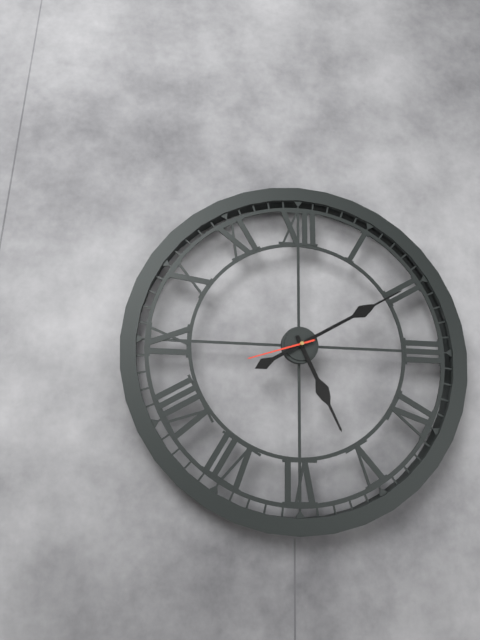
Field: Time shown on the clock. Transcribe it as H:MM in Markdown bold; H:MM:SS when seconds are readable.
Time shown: **5:10:42**
